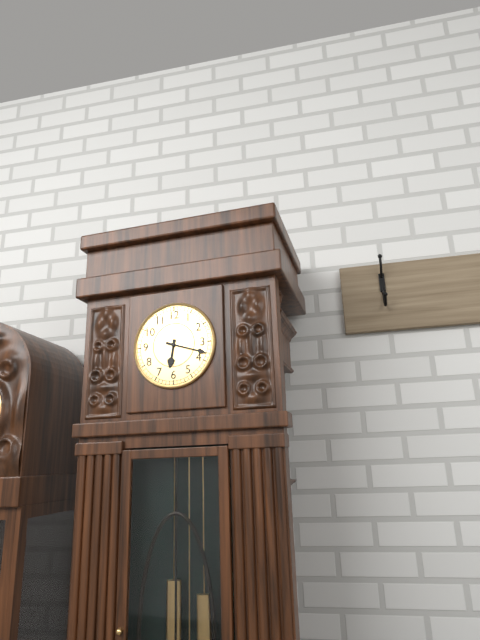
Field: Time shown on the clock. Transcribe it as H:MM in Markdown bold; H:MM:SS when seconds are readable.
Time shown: **6:18**
